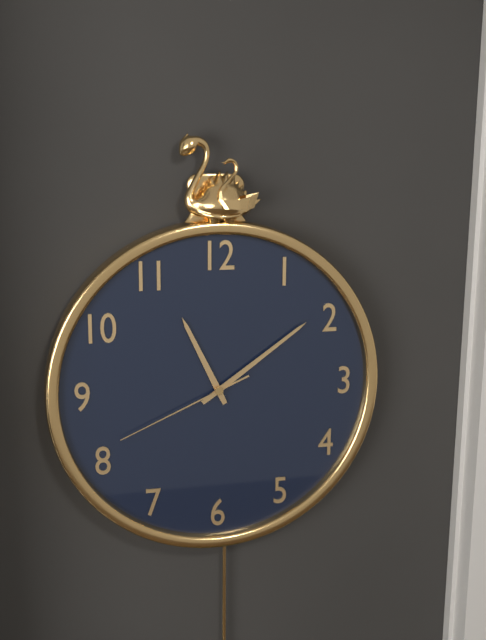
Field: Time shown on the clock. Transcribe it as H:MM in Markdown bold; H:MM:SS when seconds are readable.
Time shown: **11:09:41**
